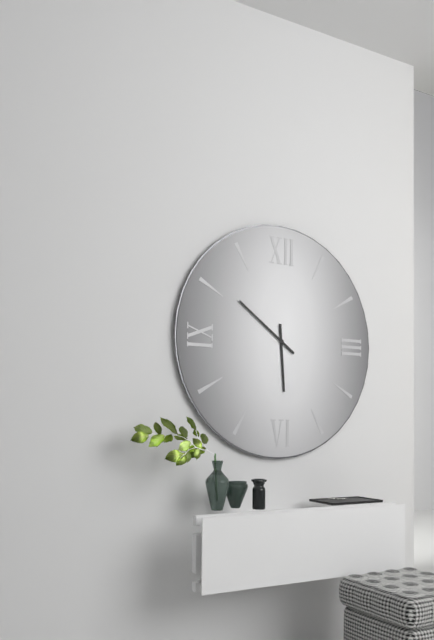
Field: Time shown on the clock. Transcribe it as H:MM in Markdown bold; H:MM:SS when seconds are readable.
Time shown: **5:51**
